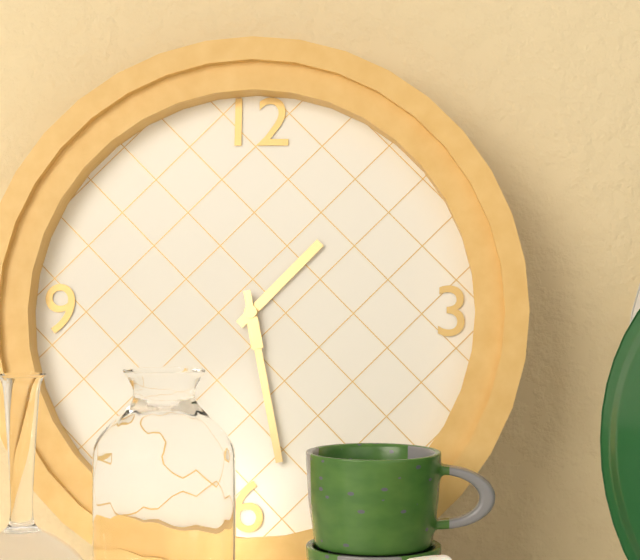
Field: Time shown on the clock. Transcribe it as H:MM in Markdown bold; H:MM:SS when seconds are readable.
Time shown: **1:28**
